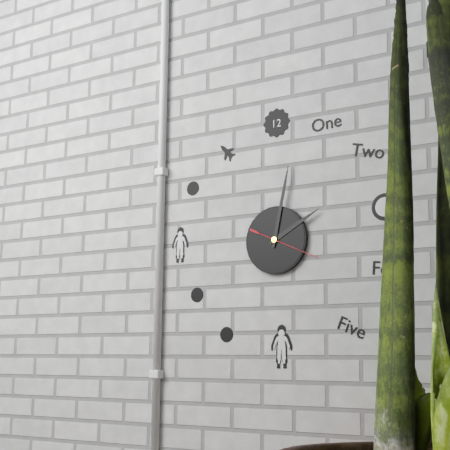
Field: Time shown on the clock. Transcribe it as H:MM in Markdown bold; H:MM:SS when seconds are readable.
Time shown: **2:02:19**
